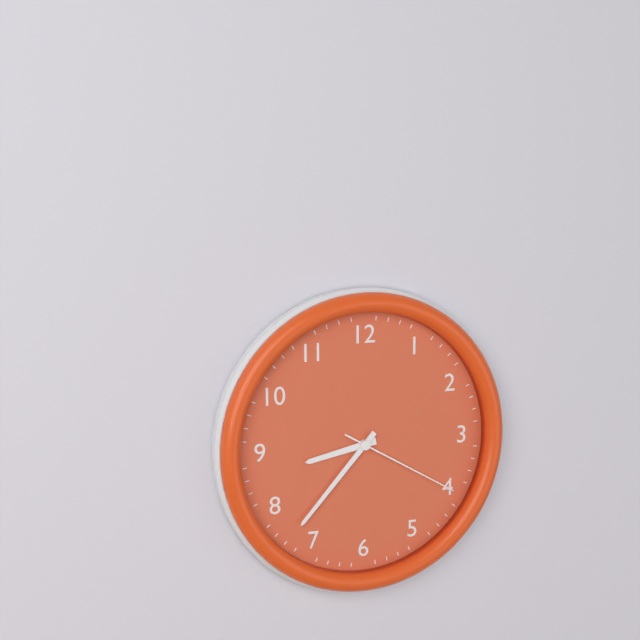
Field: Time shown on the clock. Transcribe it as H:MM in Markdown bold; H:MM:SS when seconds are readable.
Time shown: **8:37:20**
